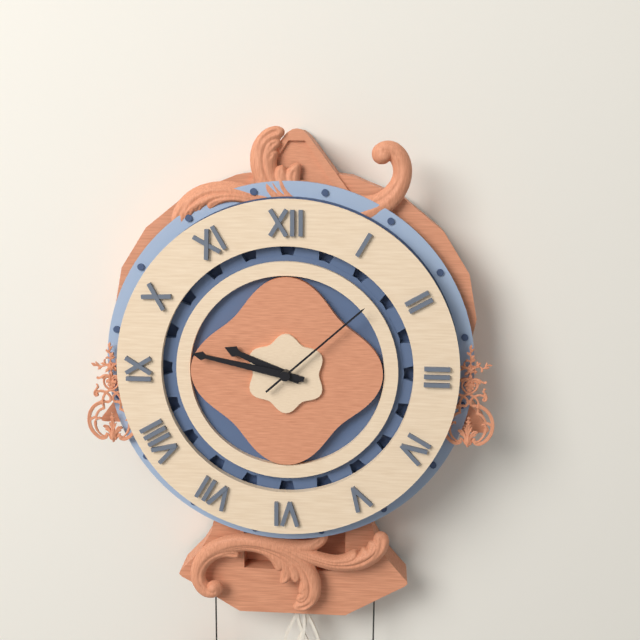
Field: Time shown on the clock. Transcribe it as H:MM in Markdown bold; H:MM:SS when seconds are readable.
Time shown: **9:47:08**
